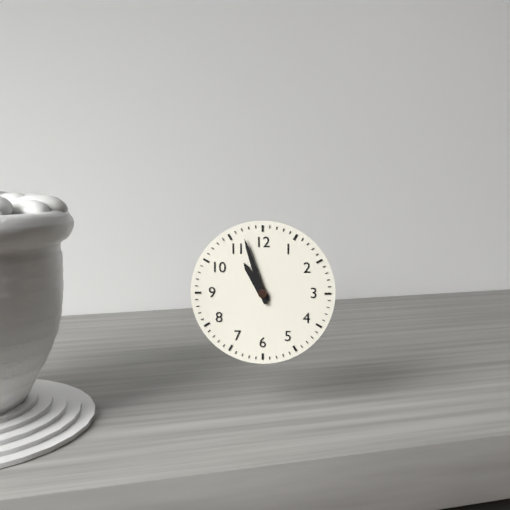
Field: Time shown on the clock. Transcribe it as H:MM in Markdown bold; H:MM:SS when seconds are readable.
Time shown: **10:57**
